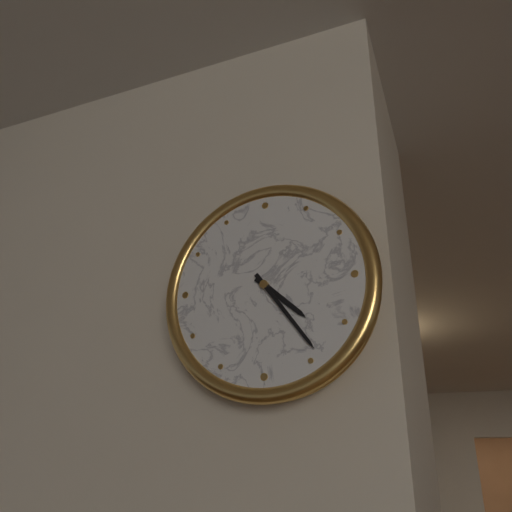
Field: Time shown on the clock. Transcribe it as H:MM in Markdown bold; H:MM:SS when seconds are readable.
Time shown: **4:24**
